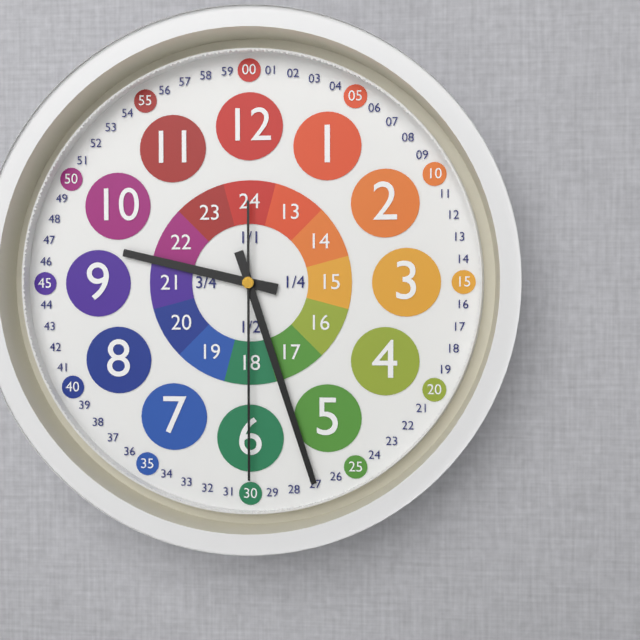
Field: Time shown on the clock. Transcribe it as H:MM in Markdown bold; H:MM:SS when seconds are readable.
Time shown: **9:27:30**
